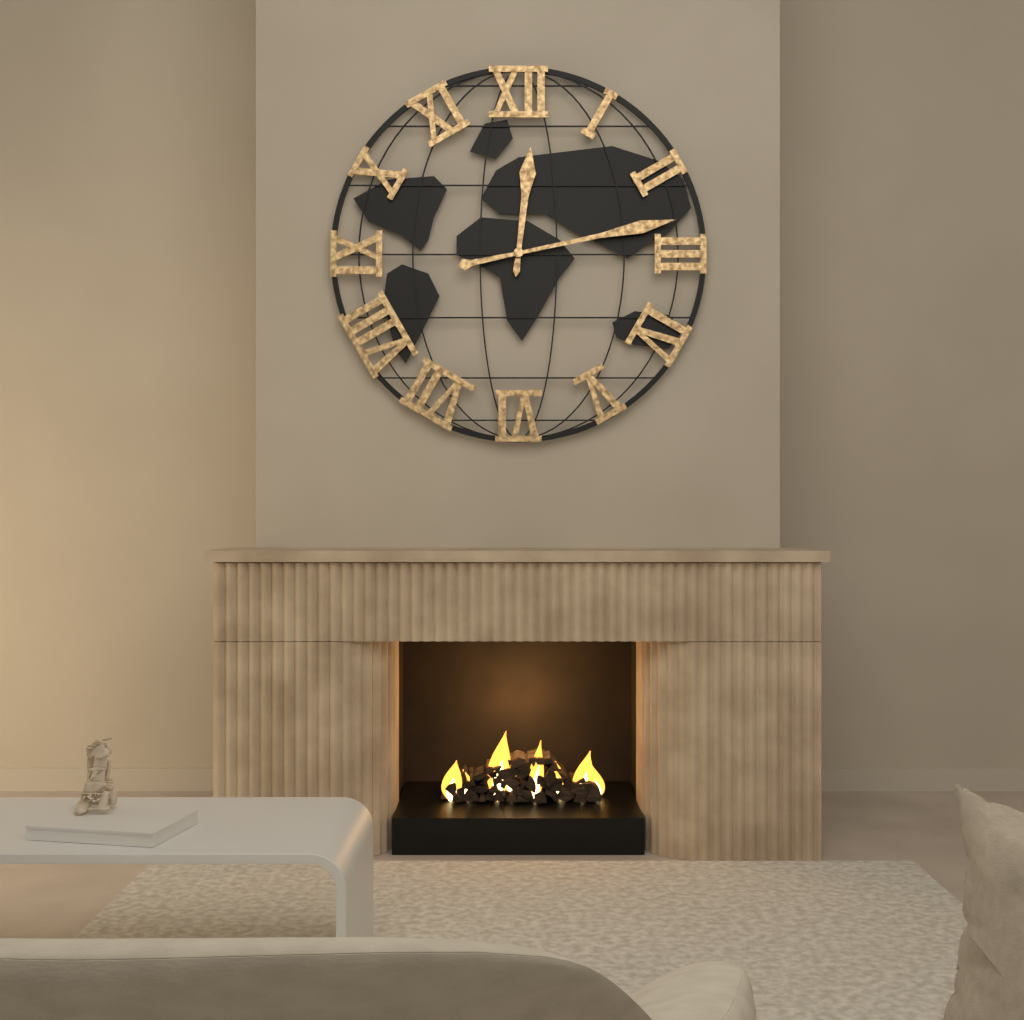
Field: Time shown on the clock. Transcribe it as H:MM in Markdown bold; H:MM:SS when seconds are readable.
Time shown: **12:13**
